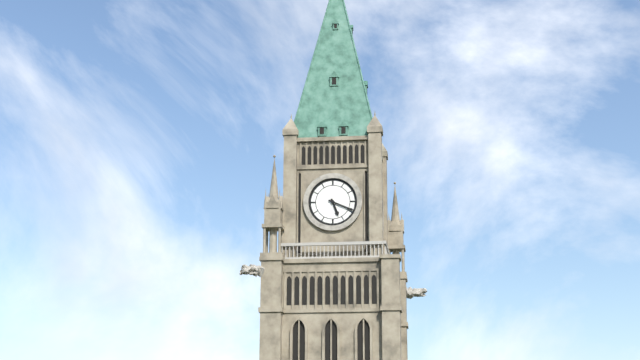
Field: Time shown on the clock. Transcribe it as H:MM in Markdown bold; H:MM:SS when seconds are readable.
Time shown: **5:19**
